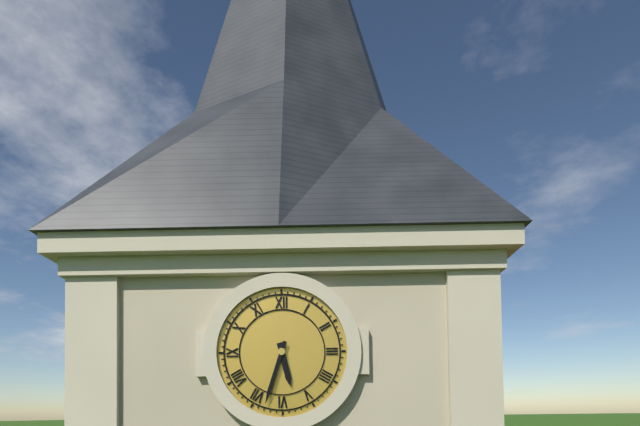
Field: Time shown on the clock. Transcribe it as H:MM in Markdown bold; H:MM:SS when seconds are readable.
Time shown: **5:33**
